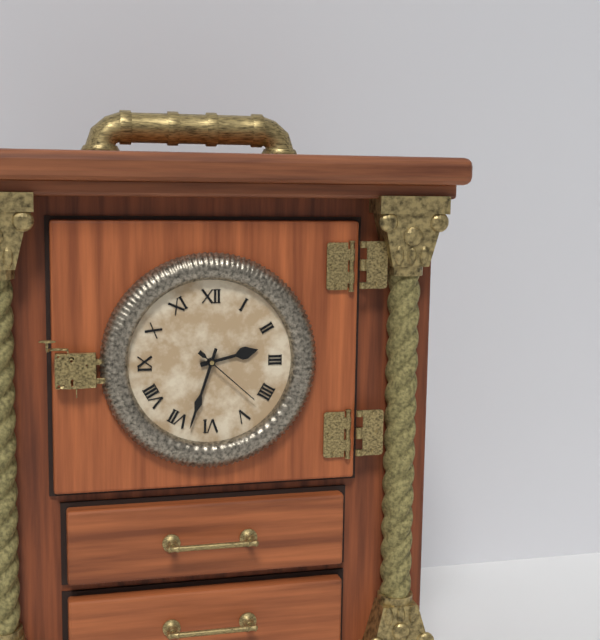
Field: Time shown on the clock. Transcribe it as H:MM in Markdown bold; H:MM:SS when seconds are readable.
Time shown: **2:33:22**
